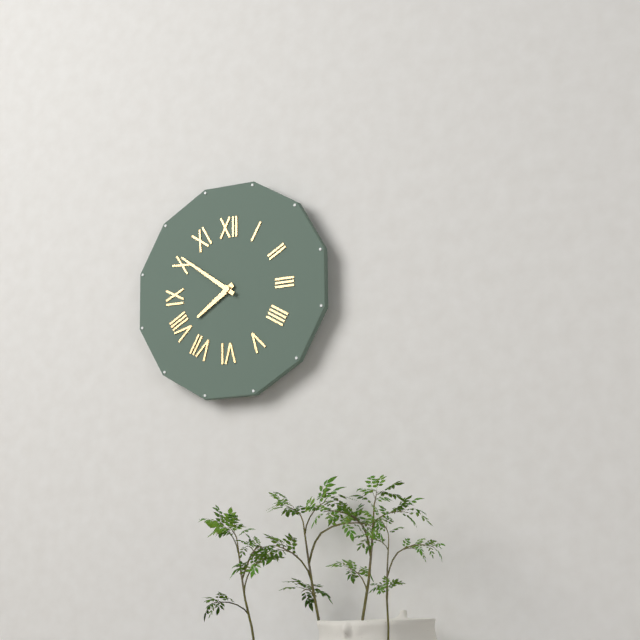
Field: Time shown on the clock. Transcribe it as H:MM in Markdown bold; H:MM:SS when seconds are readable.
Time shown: **7:51**
